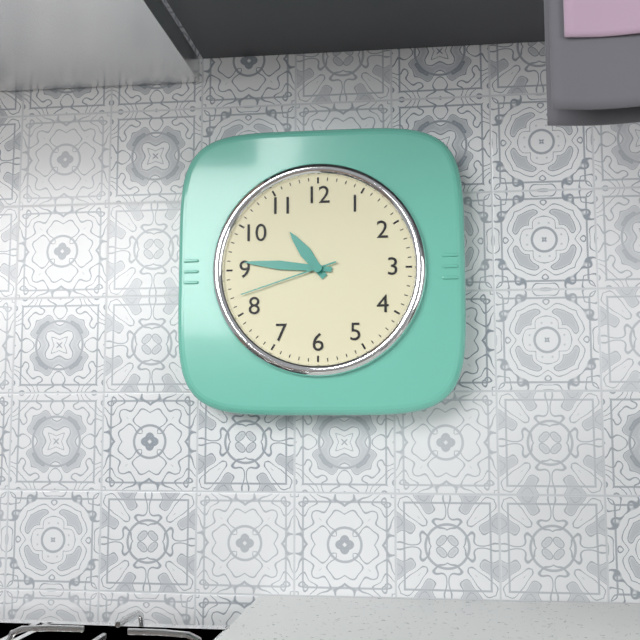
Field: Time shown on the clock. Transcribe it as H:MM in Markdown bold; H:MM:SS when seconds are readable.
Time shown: **10:46:42**
